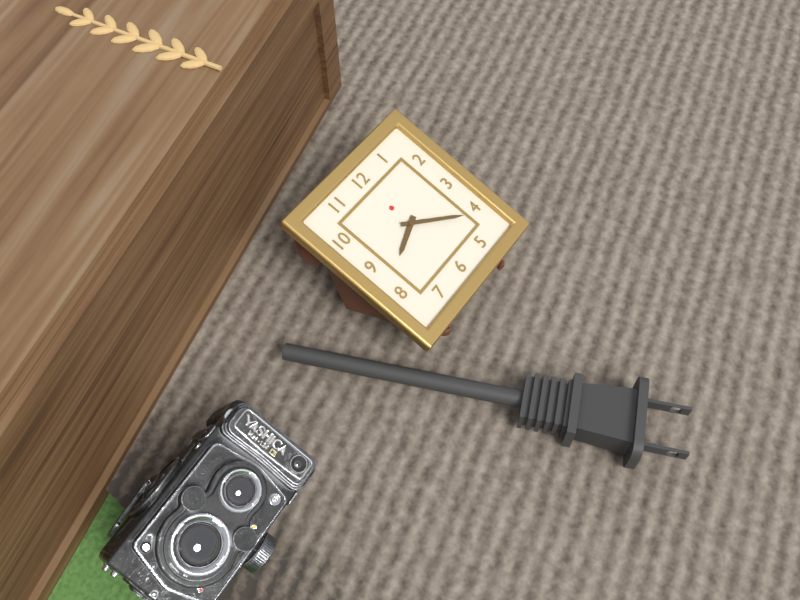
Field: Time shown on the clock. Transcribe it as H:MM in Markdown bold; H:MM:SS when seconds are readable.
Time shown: **8:21**
